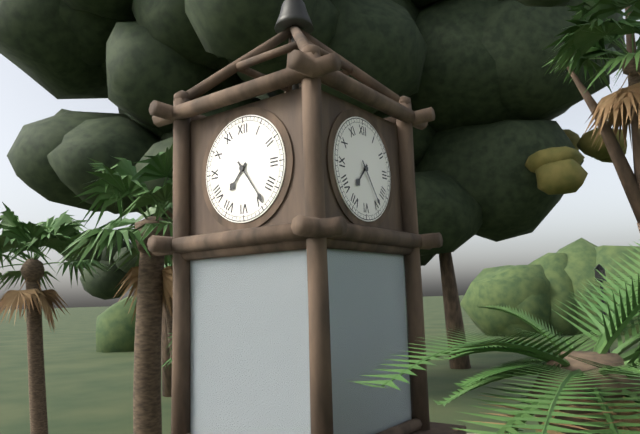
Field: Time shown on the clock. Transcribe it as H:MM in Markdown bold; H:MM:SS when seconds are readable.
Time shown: **7:24**
